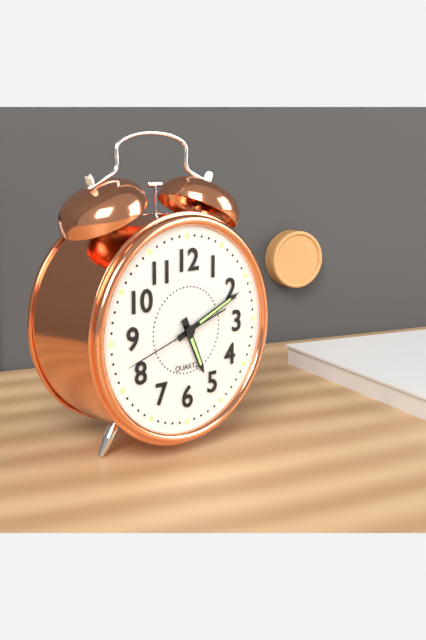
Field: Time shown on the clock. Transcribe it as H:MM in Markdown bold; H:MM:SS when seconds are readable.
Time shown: **5:11:42**
